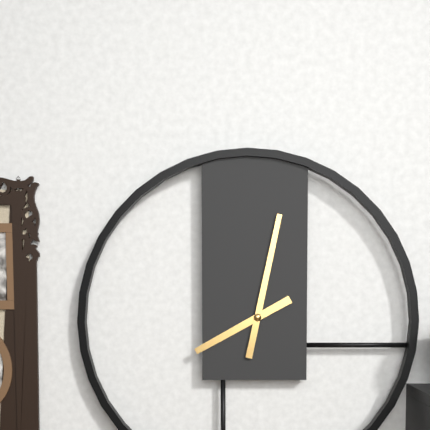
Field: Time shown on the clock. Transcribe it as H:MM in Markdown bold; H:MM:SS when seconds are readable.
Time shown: **8:02**
